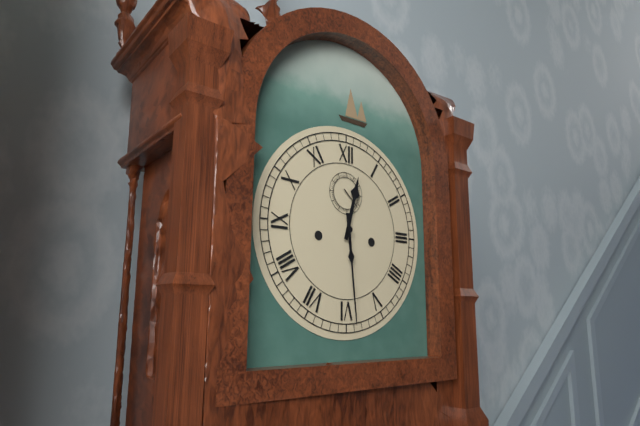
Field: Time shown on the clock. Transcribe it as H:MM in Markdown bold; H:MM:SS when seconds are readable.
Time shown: **12:29**
